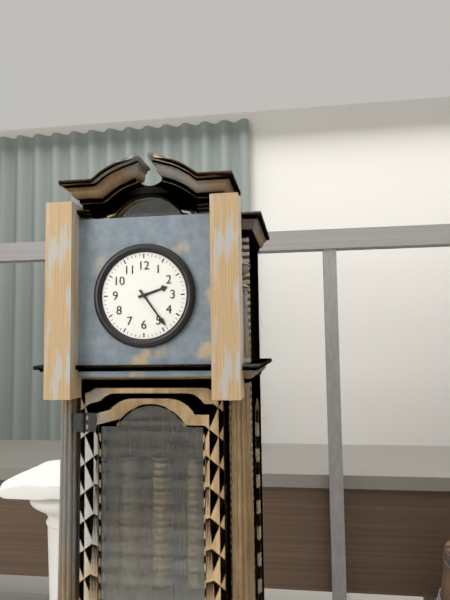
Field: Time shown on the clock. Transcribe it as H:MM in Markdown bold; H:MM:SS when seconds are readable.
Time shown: **2:24**
